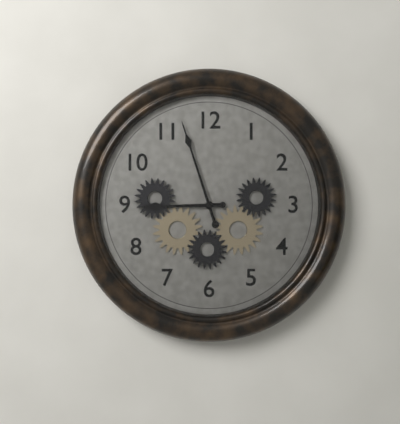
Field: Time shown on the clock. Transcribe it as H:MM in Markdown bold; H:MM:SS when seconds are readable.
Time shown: **8:57**
